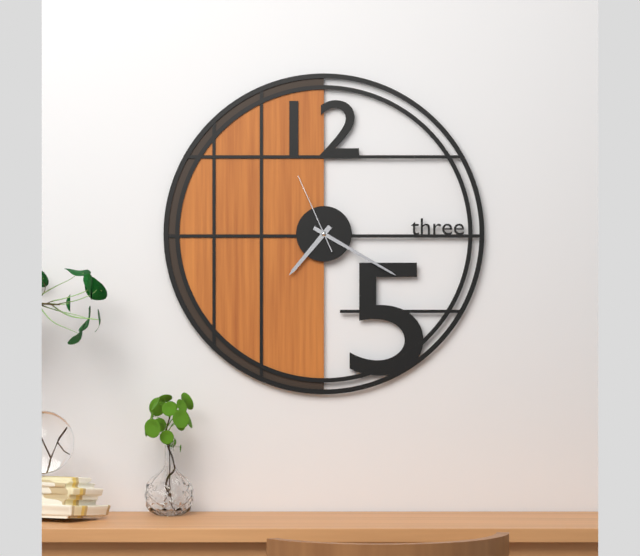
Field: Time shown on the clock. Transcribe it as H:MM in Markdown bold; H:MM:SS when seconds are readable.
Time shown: **7:20:56**
